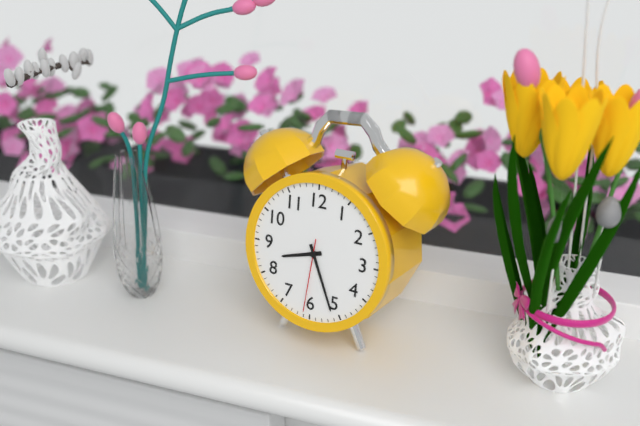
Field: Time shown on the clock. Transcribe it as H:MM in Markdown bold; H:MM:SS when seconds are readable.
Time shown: **8:26:31**
